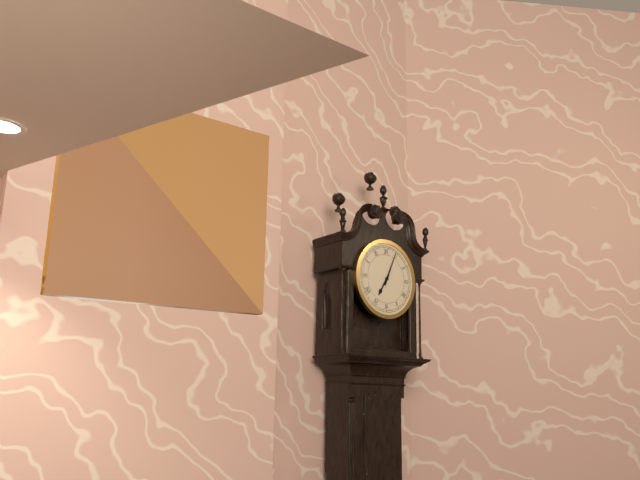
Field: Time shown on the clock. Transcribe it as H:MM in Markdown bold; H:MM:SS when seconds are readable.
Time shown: **7:04**
